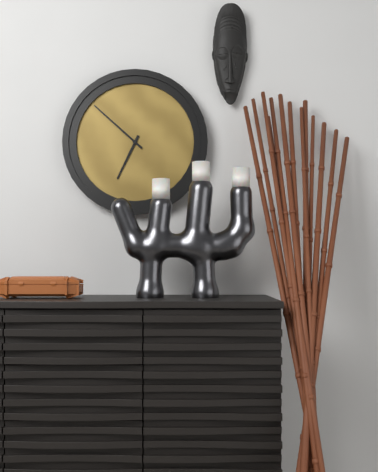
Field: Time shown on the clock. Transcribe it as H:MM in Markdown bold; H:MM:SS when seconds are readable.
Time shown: **6:52**
